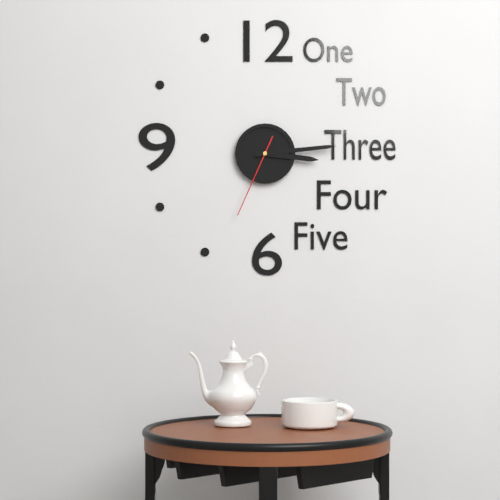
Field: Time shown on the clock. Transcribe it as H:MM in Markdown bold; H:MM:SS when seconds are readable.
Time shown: **3:14:34**
